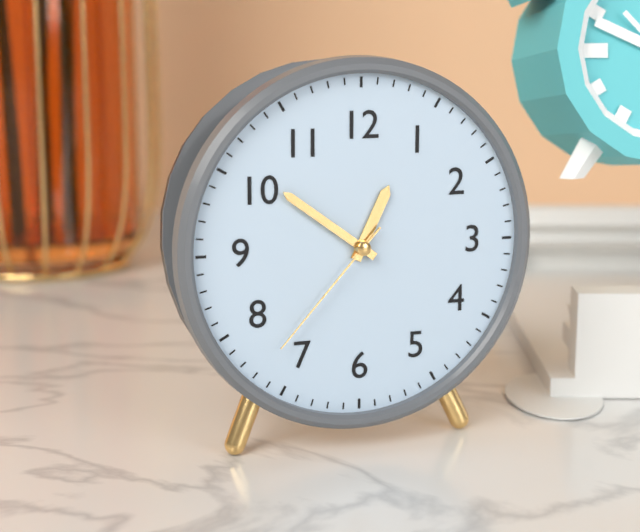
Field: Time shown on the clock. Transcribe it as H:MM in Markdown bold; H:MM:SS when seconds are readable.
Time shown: **12:51:37**
